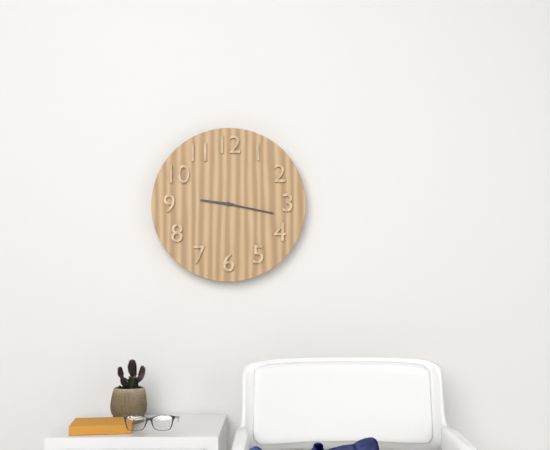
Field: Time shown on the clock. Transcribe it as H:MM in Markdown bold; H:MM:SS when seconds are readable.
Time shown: **9:17**
